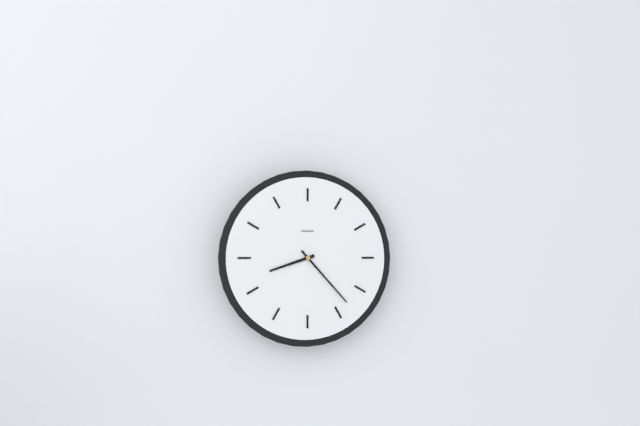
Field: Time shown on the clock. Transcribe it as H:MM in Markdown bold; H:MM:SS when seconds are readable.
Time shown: **8:23**
